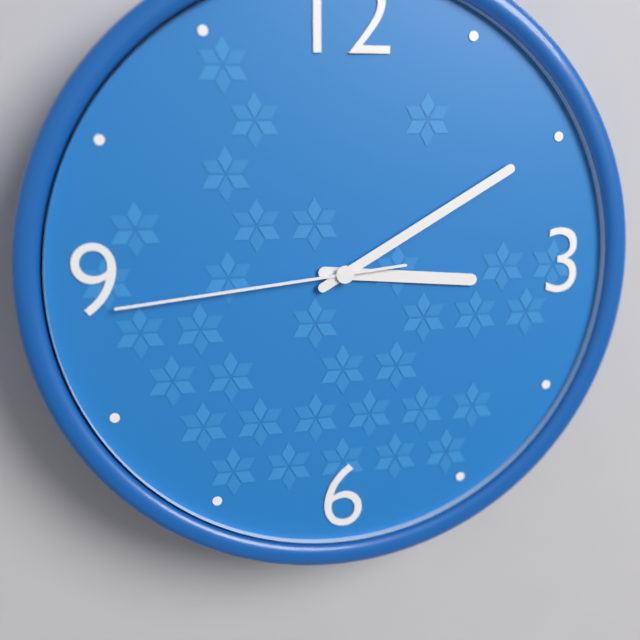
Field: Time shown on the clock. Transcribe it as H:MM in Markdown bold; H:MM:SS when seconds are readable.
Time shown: **3:10:44**
